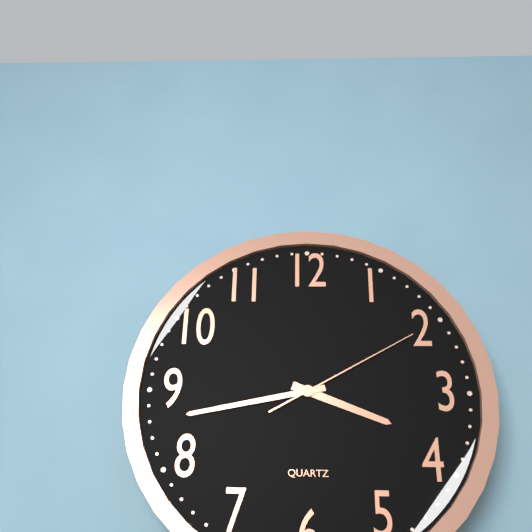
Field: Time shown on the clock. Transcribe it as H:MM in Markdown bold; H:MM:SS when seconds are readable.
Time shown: **3:43:10**
